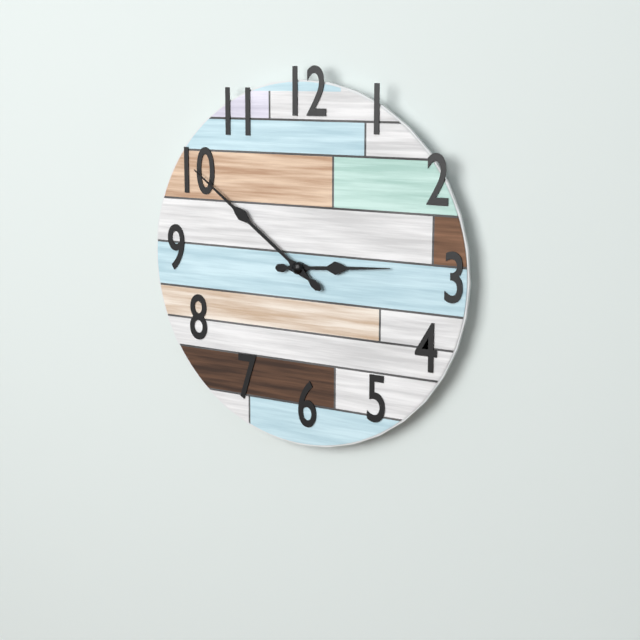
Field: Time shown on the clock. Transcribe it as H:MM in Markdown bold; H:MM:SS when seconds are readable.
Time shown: **2:51**
